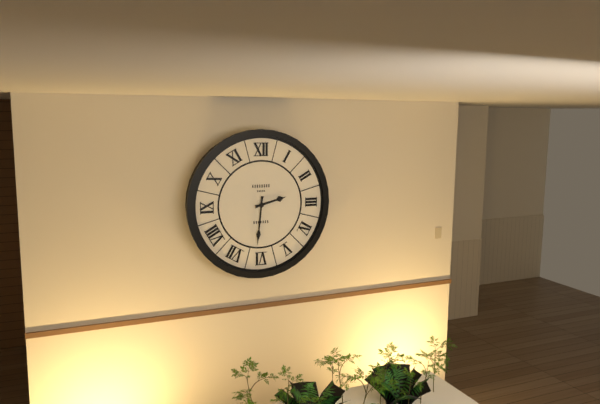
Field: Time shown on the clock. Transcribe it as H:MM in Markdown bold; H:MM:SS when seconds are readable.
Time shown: **2:31**
